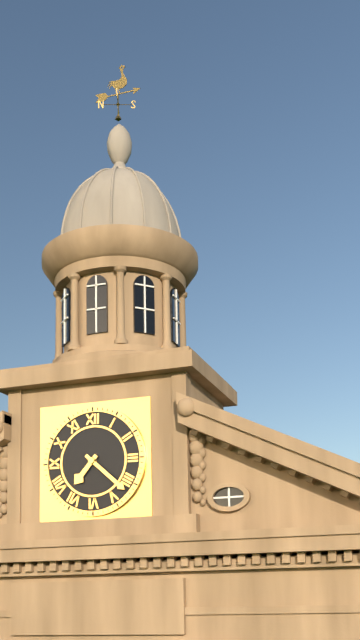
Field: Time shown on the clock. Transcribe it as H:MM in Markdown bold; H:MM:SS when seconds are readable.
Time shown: **7:22**
